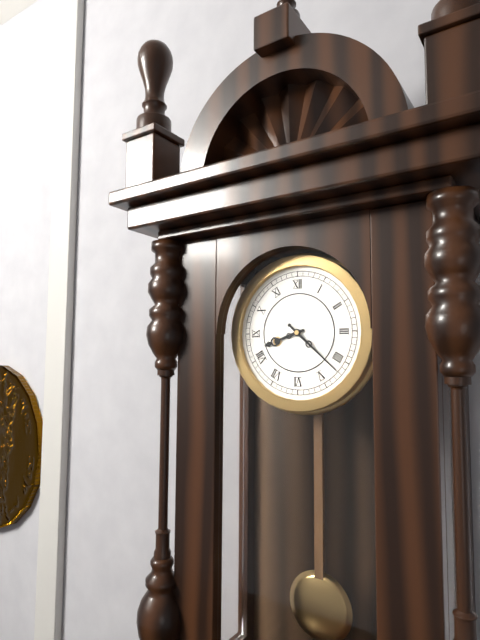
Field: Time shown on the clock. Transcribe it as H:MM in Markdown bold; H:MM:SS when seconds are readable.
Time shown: **8:22**
